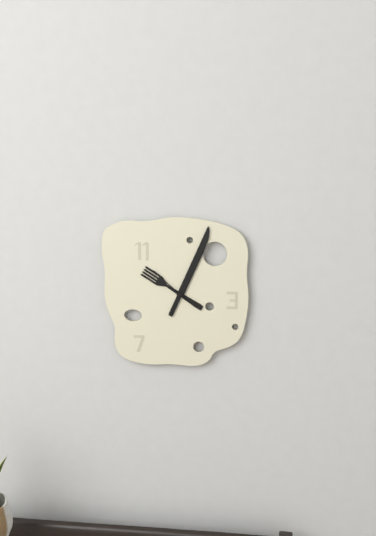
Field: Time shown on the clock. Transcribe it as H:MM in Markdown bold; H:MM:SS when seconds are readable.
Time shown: **10:04**
